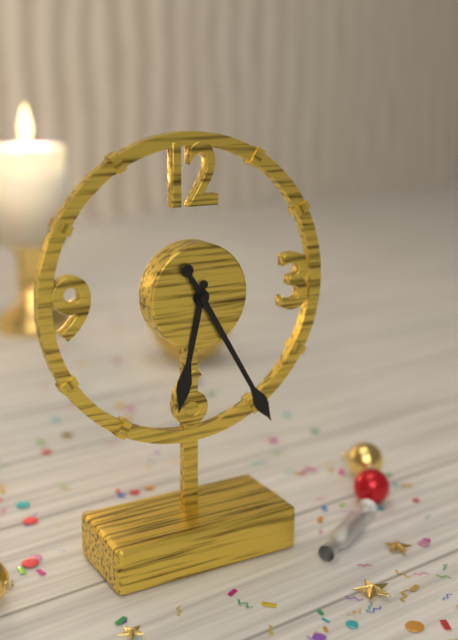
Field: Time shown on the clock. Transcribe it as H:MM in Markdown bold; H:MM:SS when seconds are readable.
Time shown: **6:25**
